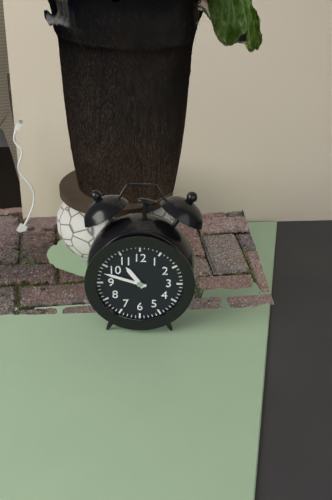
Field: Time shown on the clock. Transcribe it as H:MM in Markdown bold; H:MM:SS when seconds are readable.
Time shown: **10:48**
